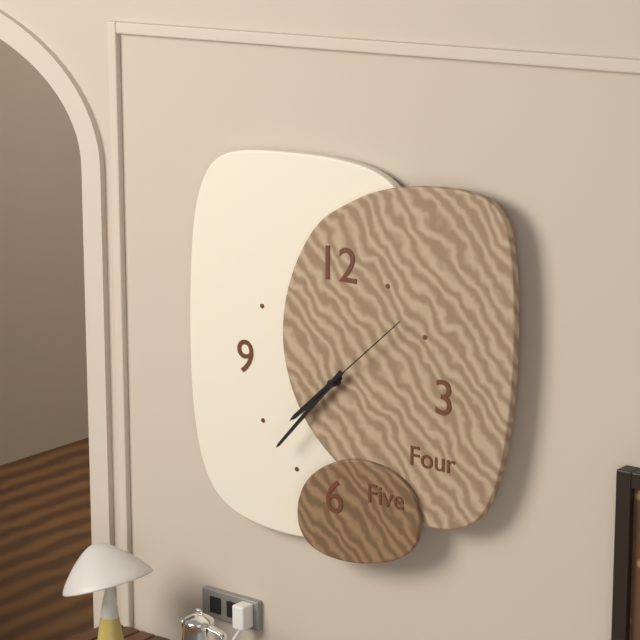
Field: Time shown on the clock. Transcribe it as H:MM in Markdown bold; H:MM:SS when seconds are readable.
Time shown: **7:37:08**
